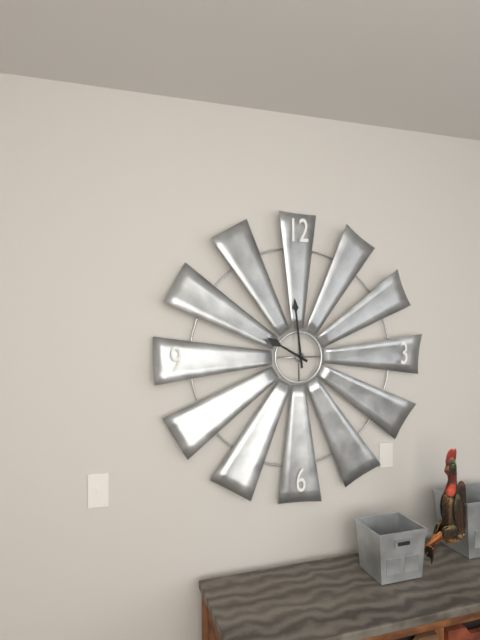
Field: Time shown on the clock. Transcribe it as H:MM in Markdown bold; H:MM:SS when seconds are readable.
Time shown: **9:59**
